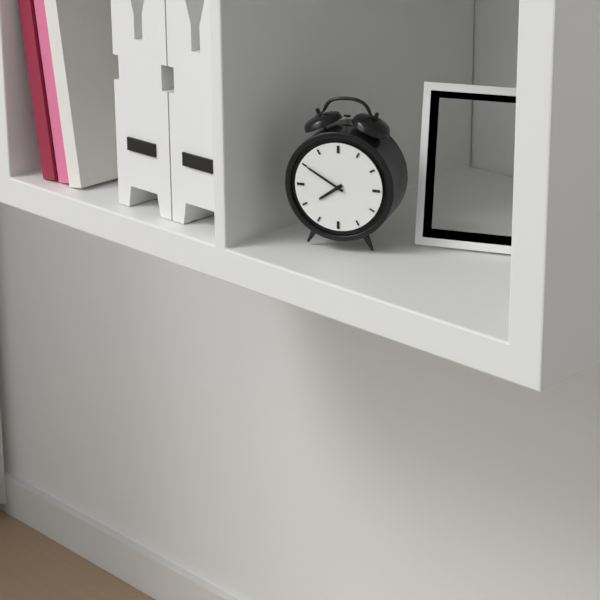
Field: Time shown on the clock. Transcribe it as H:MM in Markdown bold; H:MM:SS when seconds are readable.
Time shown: **7:50**
